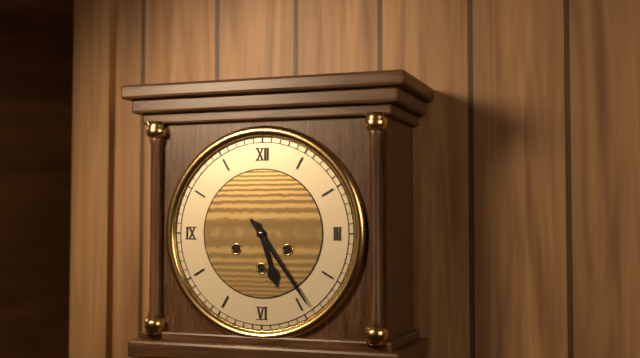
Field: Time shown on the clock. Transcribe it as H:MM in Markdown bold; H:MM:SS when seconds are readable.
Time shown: **5:24**
